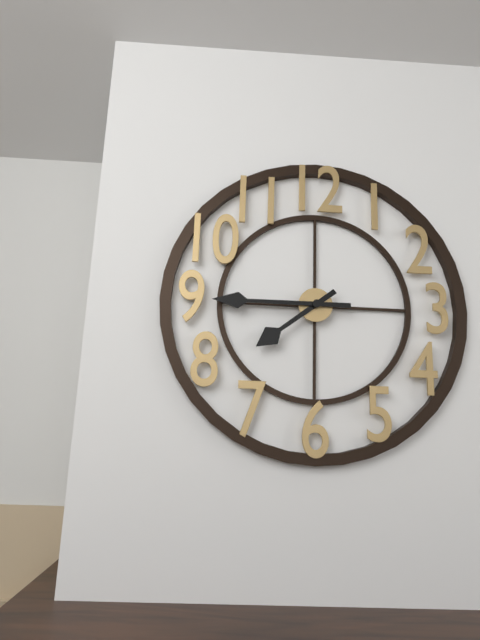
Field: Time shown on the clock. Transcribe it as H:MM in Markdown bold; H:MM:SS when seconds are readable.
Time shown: **7:45**
